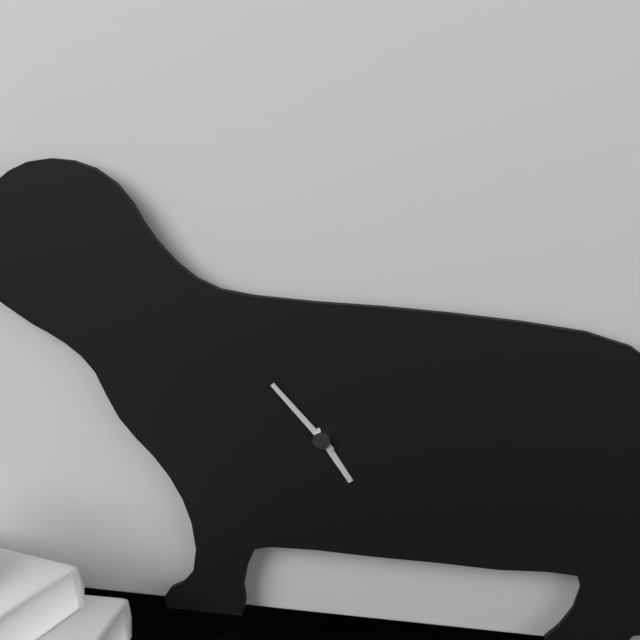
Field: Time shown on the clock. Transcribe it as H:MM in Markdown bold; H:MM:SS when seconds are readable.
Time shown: **4:53**
